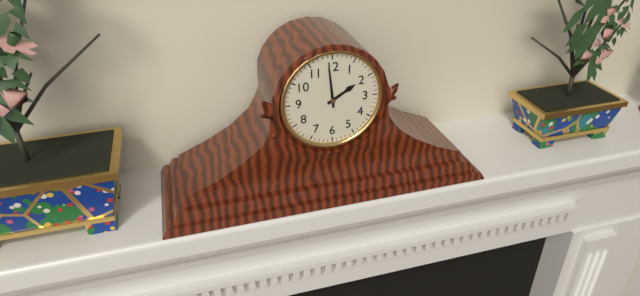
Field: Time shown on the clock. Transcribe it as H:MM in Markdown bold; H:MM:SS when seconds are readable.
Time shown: **1:59**
